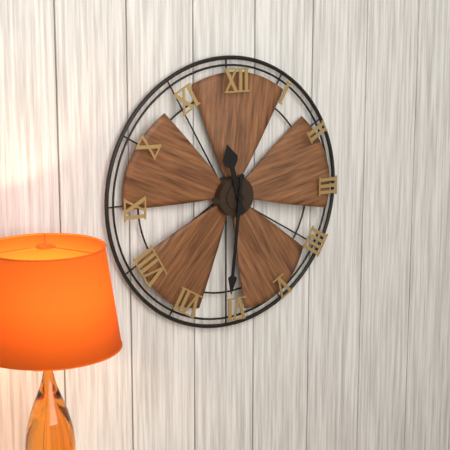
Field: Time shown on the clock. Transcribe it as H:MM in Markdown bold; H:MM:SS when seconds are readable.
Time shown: **11:31**
